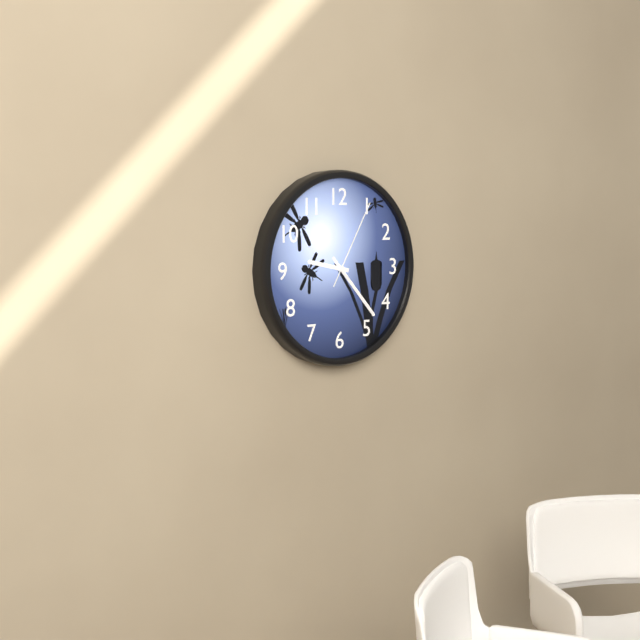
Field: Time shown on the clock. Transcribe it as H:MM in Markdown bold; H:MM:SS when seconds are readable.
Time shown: **9:23:05**
